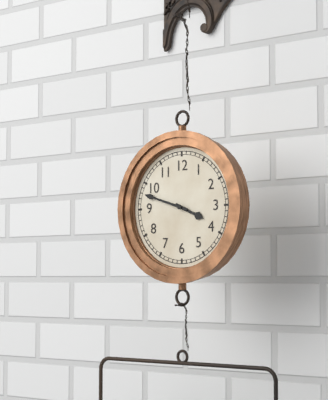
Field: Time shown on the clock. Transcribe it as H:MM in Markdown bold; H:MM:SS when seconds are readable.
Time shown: **3:48**
